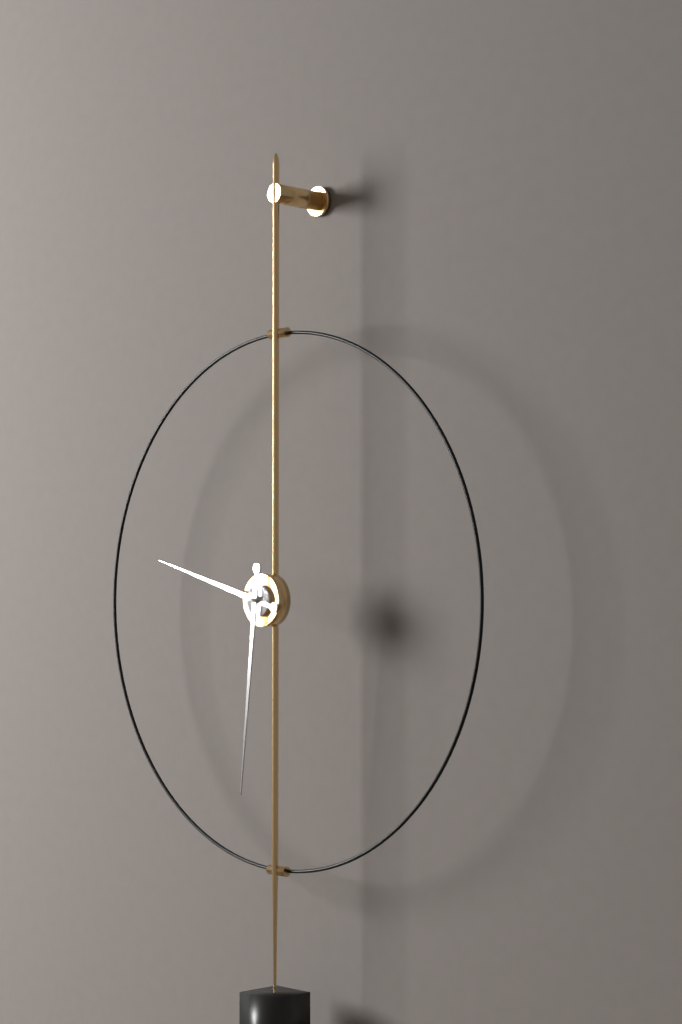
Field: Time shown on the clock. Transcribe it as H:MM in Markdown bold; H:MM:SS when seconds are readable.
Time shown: **9:31**
